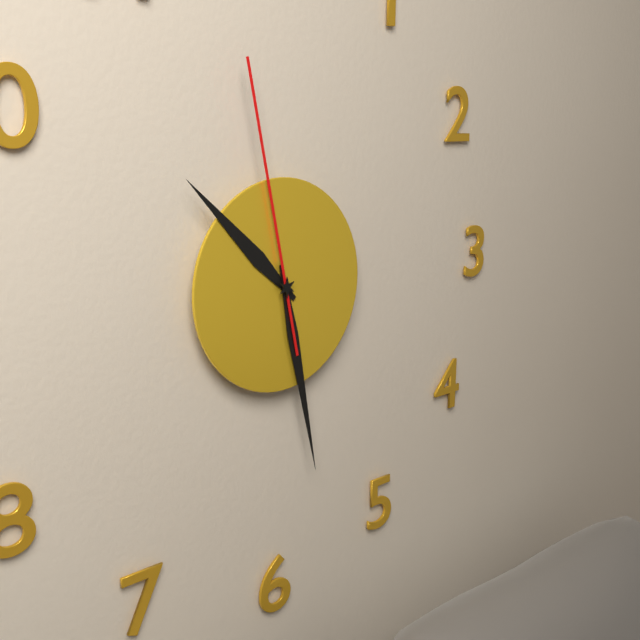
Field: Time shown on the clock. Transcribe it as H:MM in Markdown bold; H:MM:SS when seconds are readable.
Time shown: **10:28:58**
